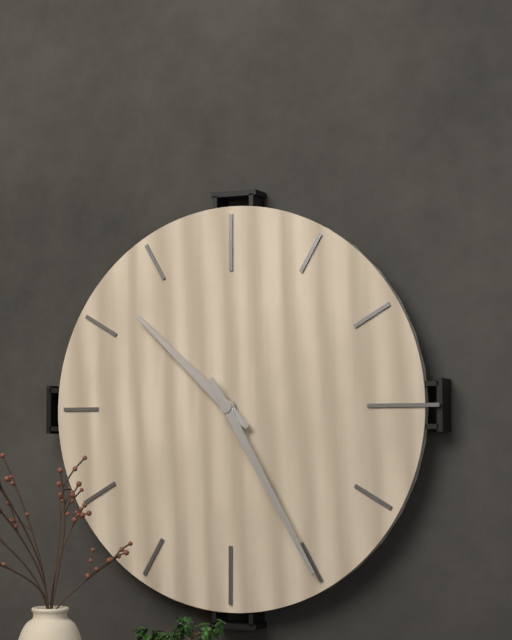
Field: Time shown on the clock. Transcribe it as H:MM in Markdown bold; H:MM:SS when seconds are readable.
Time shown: **10:25**
